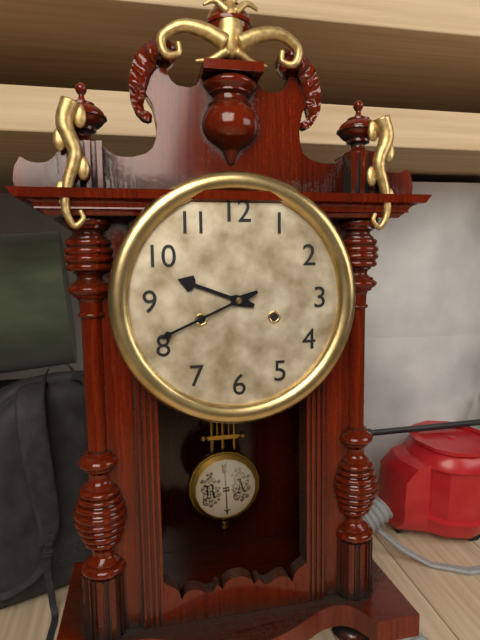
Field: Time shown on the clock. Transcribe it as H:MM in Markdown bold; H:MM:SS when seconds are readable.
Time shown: **9:41**
